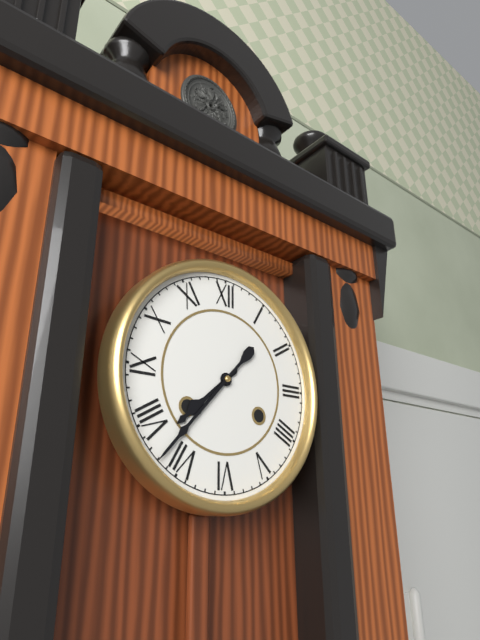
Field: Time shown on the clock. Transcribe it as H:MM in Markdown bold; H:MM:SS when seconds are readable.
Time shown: **7:37**
